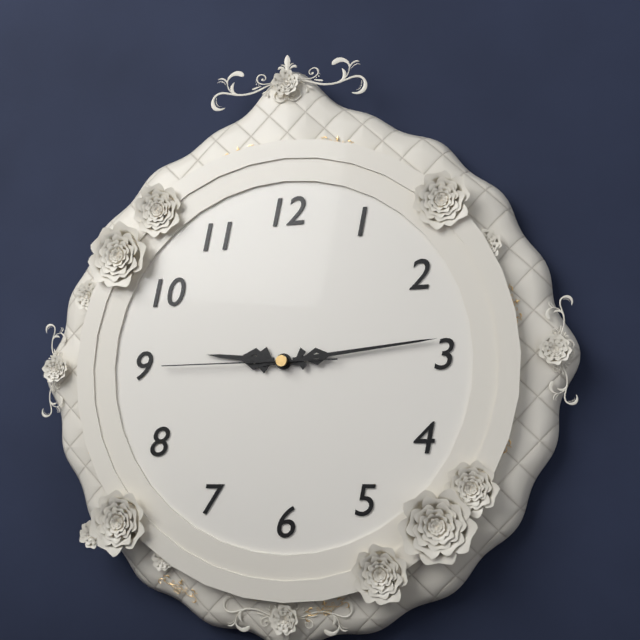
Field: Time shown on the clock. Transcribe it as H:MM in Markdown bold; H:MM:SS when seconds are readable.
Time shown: **9:14:45**
